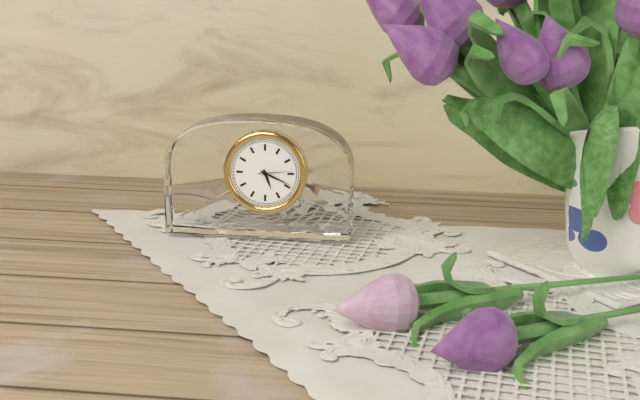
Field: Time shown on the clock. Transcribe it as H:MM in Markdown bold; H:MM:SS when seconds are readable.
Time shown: **5:19**
